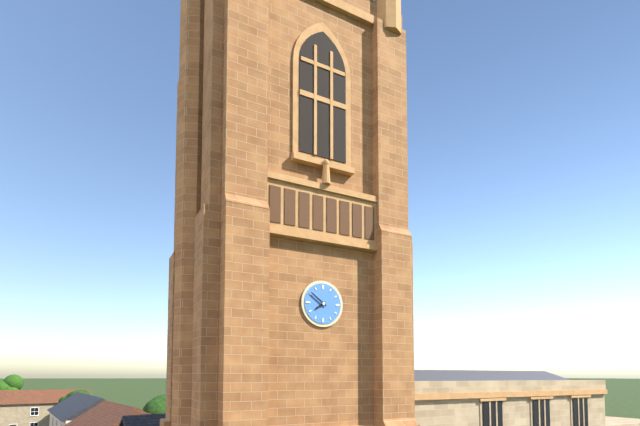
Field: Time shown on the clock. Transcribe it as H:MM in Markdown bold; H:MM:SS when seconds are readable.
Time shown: **7:51**
